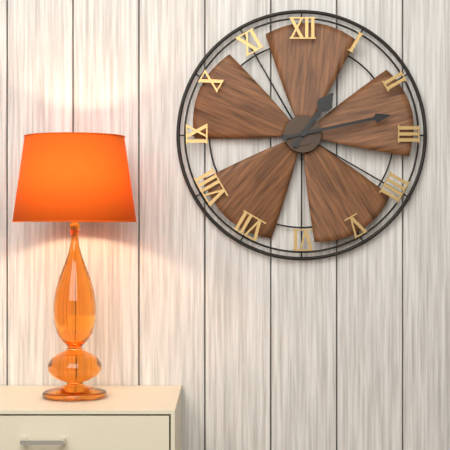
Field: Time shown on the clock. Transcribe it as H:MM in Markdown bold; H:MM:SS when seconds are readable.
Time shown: **1:13**
